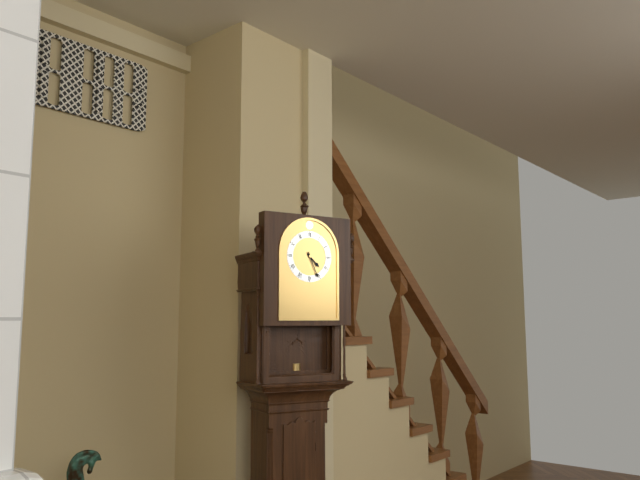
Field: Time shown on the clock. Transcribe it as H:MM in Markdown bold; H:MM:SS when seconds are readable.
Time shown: **4:26**
